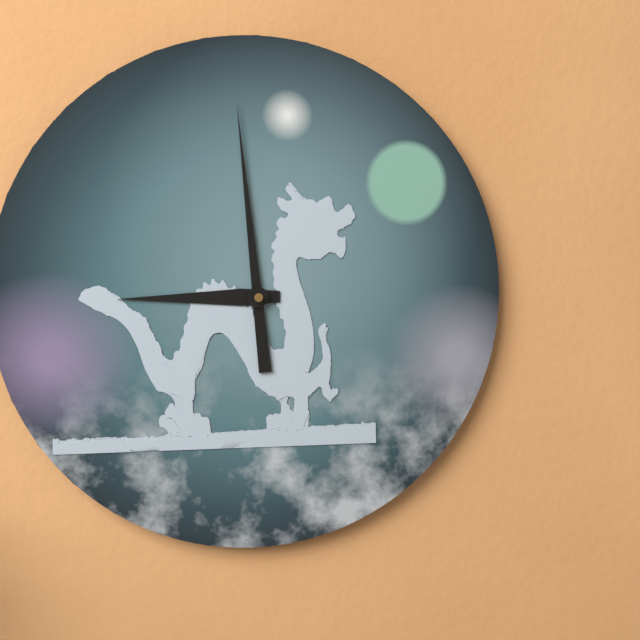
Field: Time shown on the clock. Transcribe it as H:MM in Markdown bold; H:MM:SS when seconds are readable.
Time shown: **8:59**
